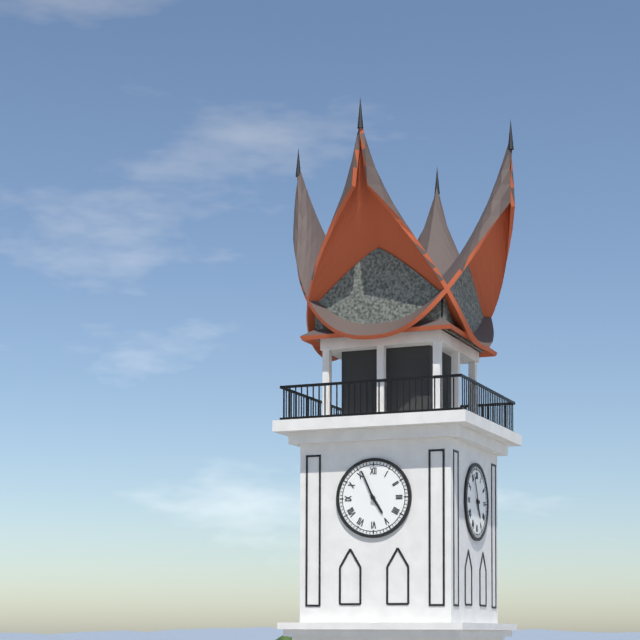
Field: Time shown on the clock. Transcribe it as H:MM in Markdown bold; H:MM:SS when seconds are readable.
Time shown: **4:56**
